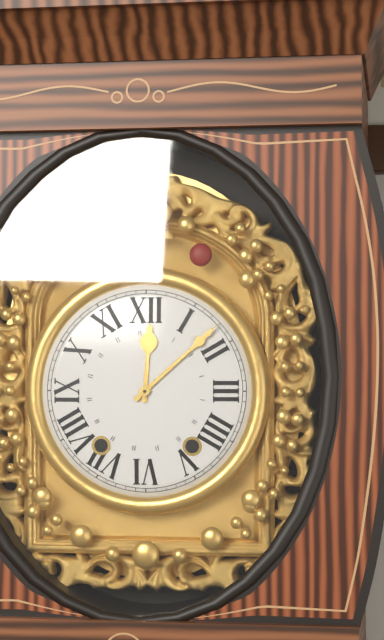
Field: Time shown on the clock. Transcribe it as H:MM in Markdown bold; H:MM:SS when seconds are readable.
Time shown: **12:08**
